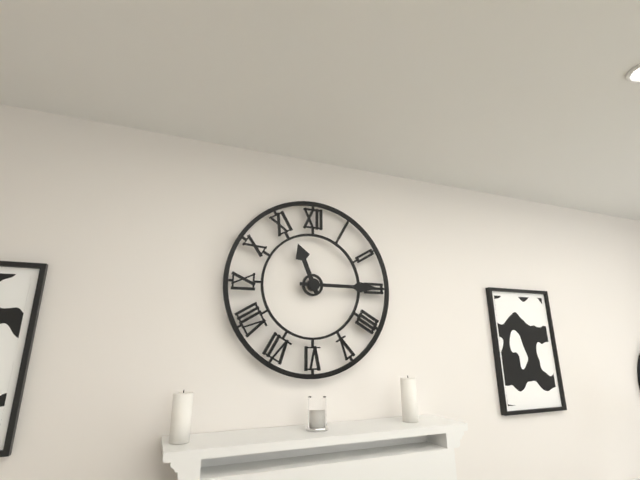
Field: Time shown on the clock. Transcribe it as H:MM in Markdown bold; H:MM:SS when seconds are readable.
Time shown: **11:15**
